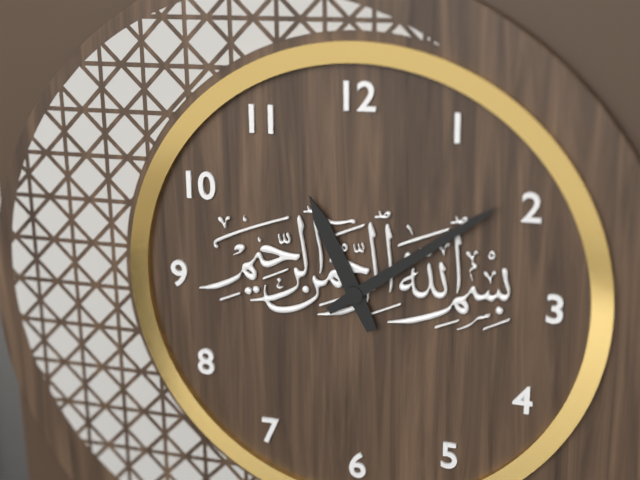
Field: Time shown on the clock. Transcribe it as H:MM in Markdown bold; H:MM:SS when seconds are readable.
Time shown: **11:09**
